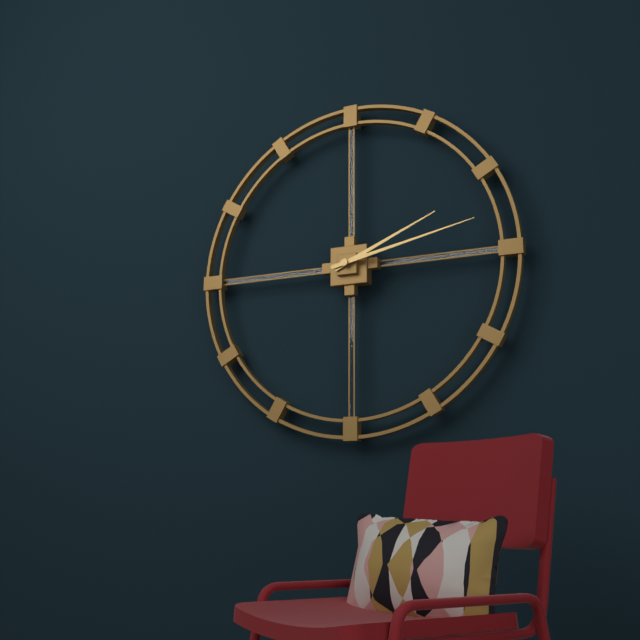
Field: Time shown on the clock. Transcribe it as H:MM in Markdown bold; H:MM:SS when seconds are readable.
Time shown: **2:13**
